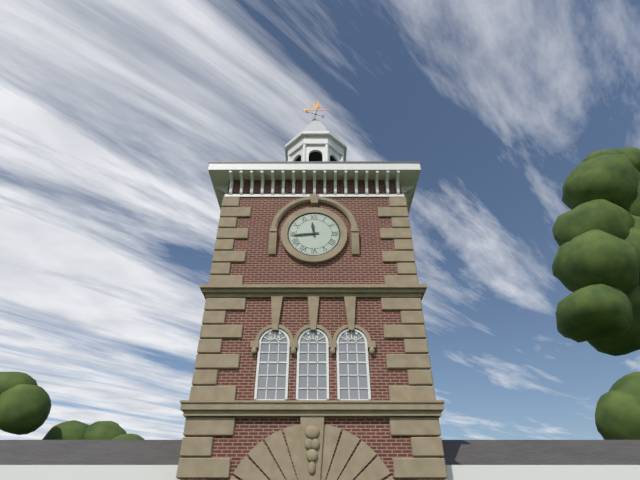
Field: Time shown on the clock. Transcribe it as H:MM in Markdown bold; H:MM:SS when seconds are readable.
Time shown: **11:44**
